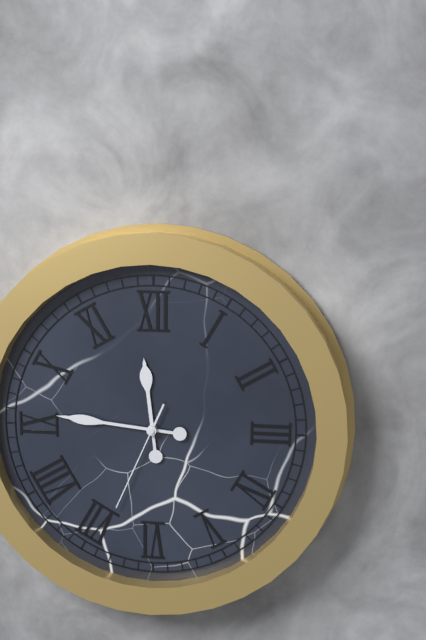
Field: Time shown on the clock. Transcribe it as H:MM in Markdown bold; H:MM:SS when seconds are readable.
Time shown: **11:46:34**
